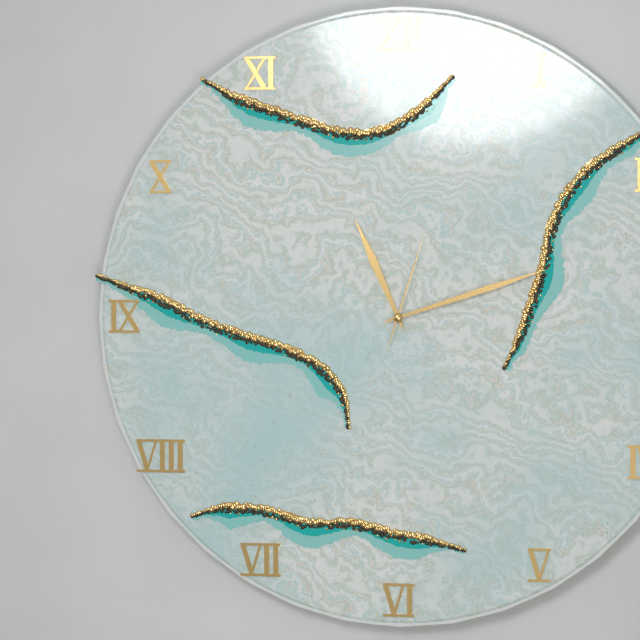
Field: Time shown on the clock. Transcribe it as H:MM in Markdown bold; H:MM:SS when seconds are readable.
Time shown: **11:12:03**
